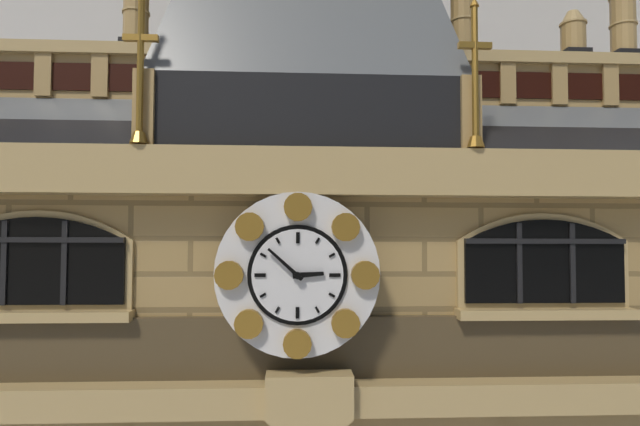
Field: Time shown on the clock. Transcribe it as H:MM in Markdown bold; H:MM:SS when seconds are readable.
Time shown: **2:52**
